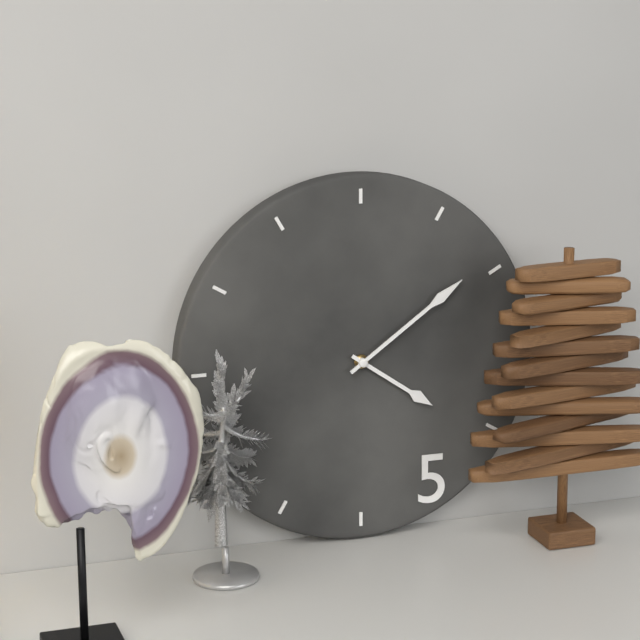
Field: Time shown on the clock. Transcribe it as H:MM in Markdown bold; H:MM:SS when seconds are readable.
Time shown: **4:09**
